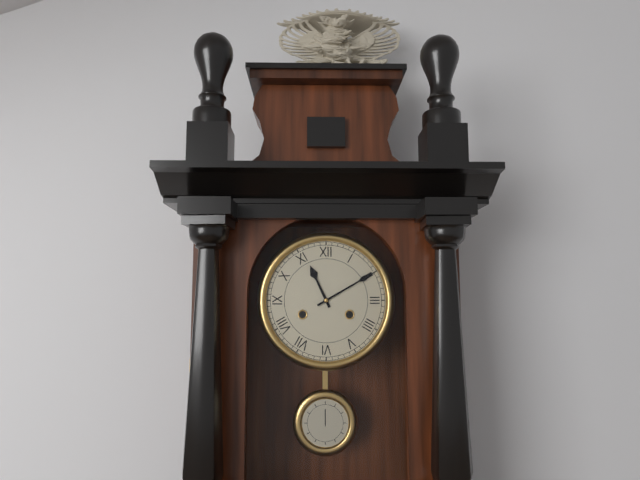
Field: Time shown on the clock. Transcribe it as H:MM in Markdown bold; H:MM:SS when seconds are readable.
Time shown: **11:10**
